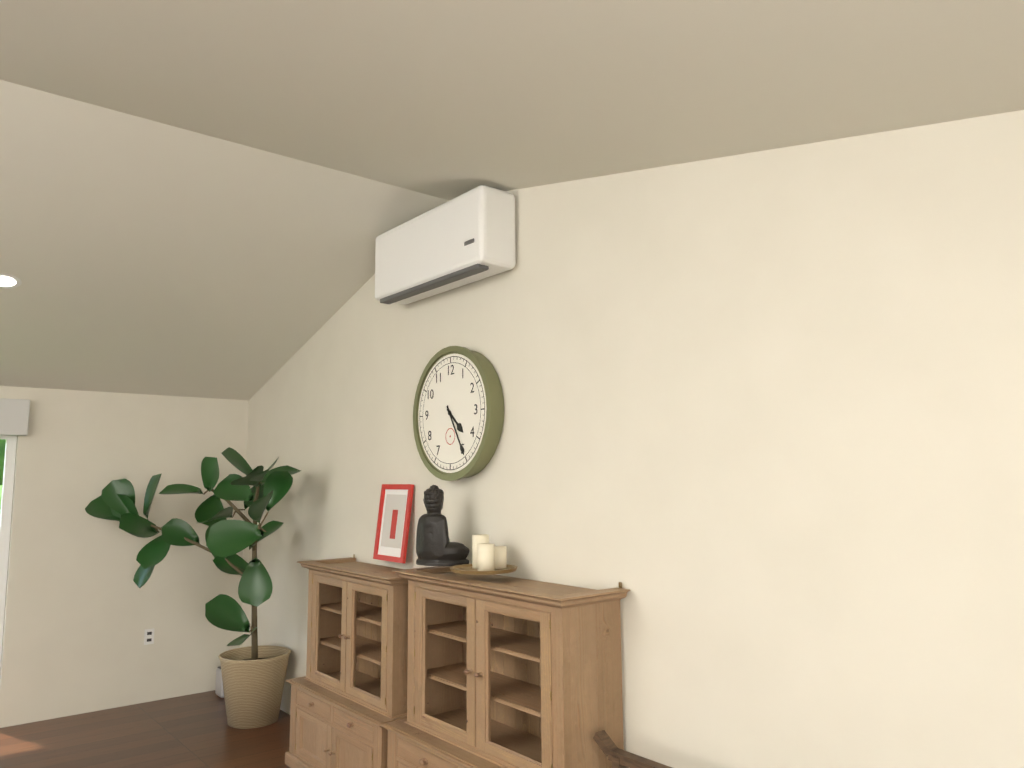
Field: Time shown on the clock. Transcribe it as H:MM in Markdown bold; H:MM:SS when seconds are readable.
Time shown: **4:25**
